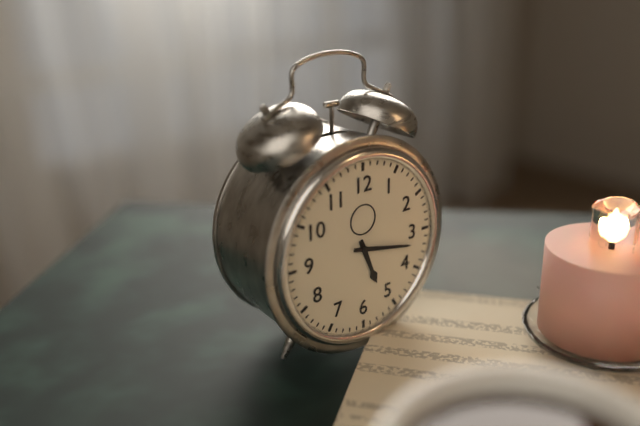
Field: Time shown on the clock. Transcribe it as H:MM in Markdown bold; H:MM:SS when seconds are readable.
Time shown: **5:17**
